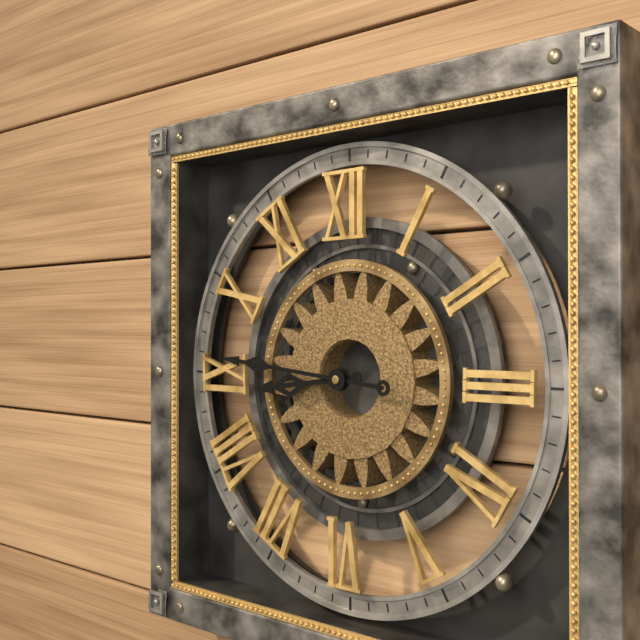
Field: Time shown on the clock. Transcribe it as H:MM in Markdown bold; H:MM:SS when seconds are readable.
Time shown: **8:46**
